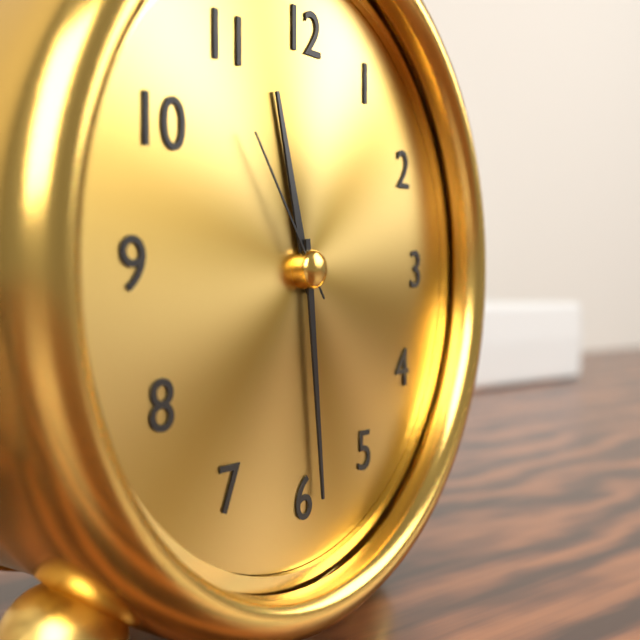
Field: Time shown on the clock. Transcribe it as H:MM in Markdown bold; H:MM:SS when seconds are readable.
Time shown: **11:29:54**
